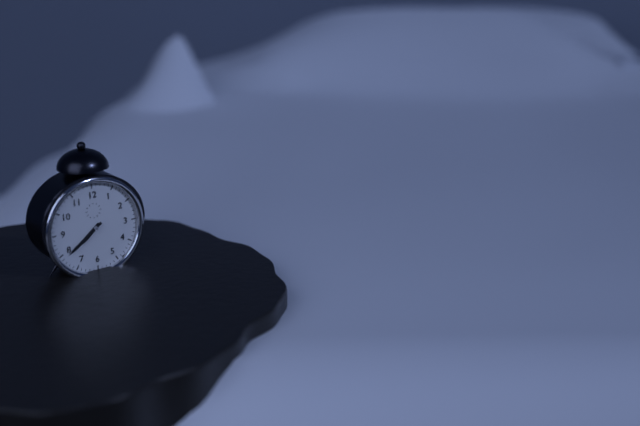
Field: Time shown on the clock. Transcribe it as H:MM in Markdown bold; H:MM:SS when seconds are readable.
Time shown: **7:39**
